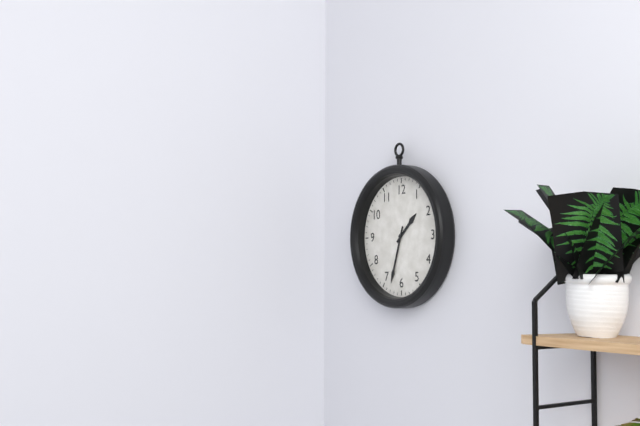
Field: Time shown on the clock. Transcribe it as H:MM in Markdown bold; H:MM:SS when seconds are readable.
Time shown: **1:33**
